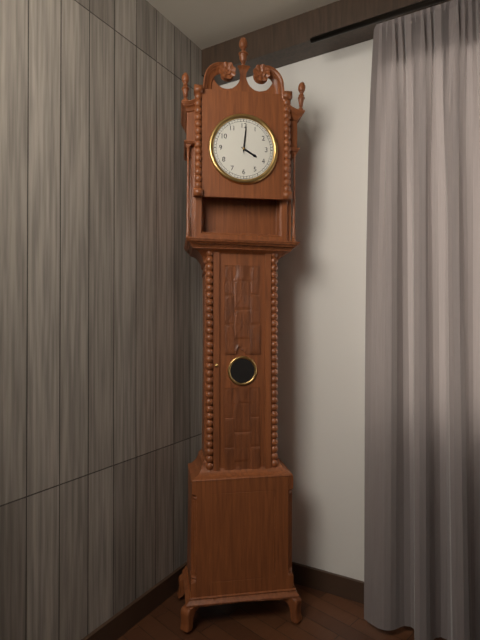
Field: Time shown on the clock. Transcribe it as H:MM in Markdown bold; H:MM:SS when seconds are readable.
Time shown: **4:01**
